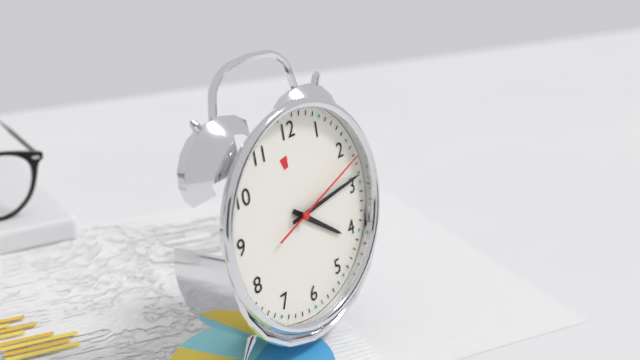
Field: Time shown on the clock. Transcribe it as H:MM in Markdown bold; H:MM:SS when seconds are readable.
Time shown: **4:14:12**
